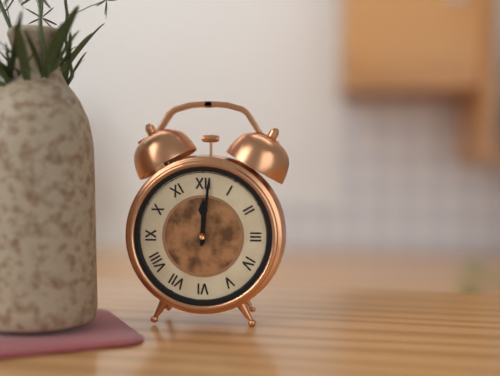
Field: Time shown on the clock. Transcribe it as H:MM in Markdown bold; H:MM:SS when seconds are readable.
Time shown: **12:01**
